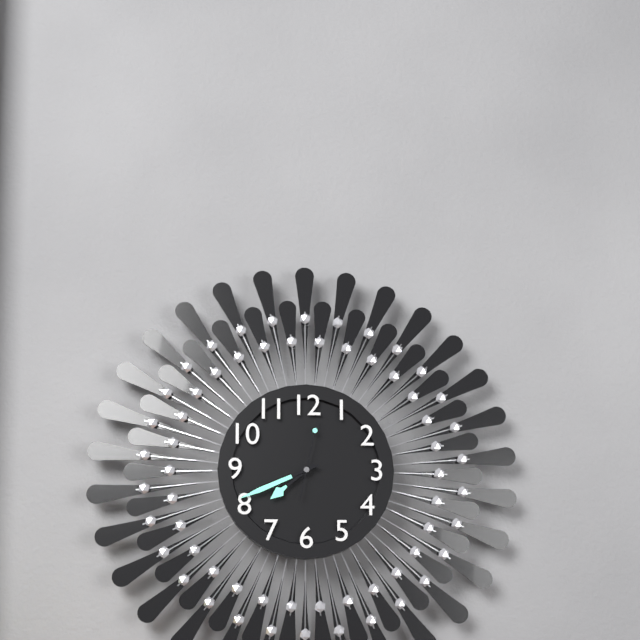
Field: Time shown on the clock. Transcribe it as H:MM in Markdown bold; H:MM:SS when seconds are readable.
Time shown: **7:41:02**
